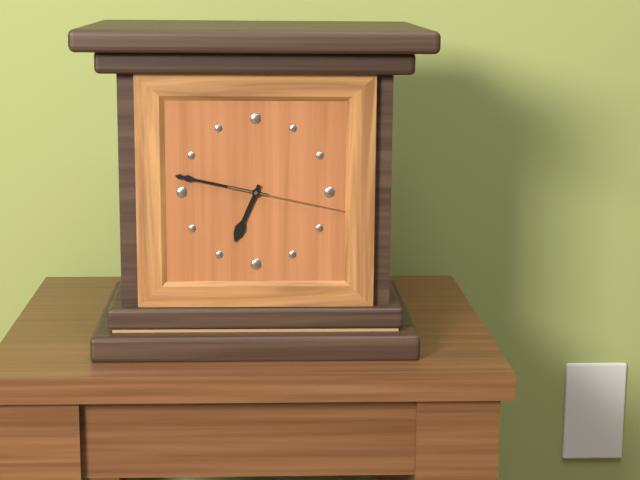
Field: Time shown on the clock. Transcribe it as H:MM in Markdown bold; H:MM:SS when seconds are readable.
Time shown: **6:47:17**
